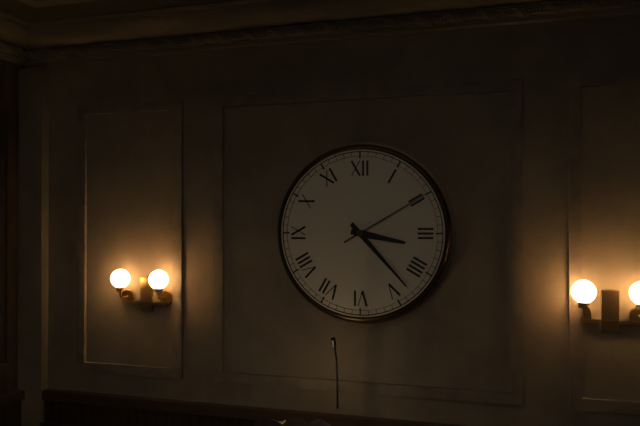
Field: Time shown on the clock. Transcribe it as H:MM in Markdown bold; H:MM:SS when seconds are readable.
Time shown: **3:23:10**
